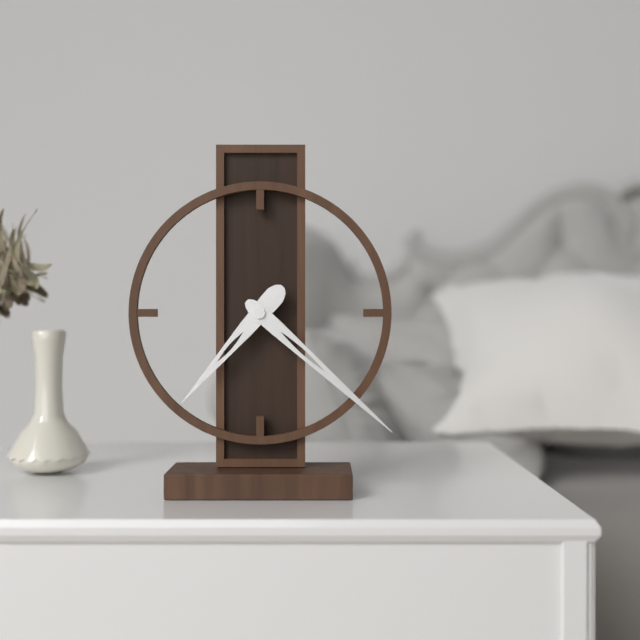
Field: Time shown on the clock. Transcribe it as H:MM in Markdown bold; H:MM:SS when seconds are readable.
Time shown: **7:22**
